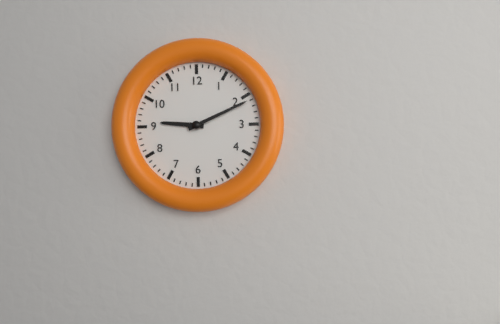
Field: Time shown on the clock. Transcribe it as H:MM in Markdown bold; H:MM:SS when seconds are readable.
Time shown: **9:11**
